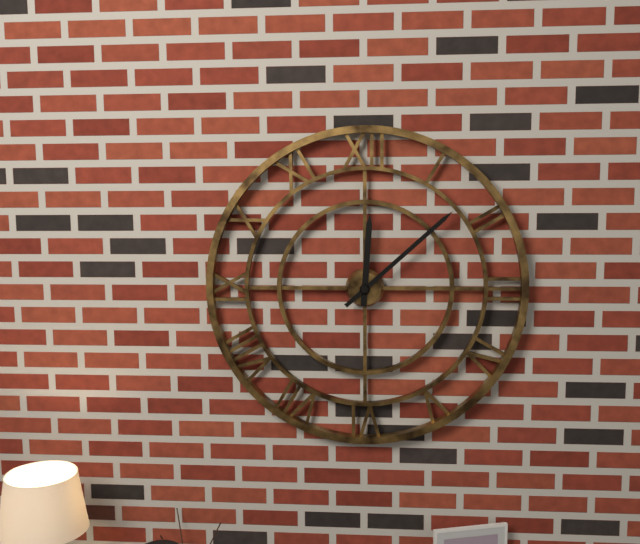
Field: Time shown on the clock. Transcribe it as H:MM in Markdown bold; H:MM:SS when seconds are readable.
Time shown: **12:08**
